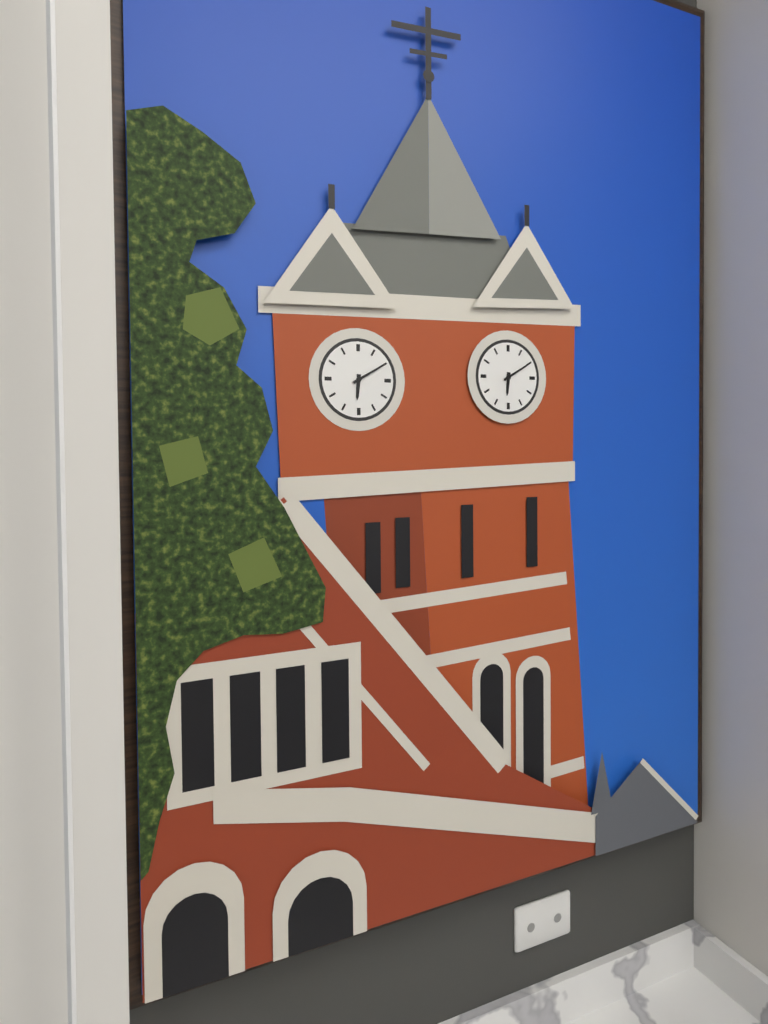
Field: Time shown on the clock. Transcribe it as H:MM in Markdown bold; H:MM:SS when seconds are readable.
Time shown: **6:10**
